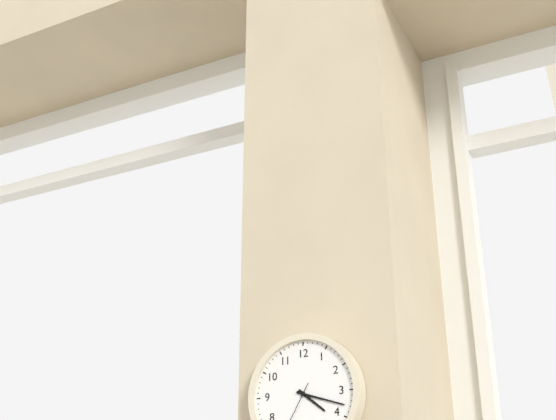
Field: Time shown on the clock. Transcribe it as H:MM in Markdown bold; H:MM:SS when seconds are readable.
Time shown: **4:18**
